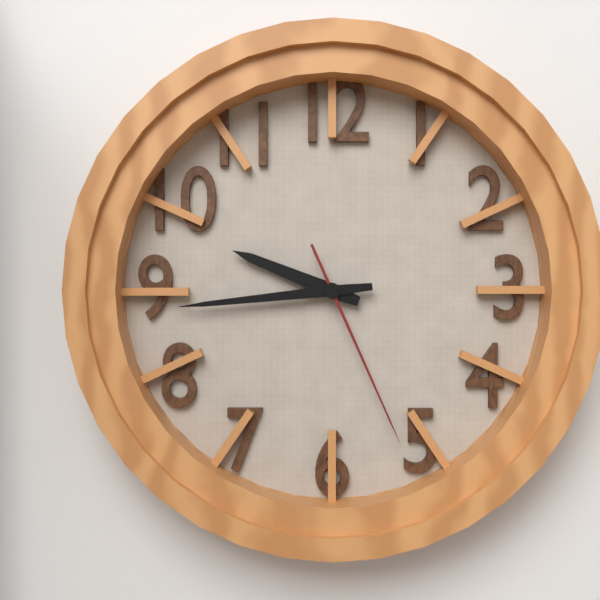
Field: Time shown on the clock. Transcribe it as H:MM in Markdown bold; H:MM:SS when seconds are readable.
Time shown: **9:44:26**
